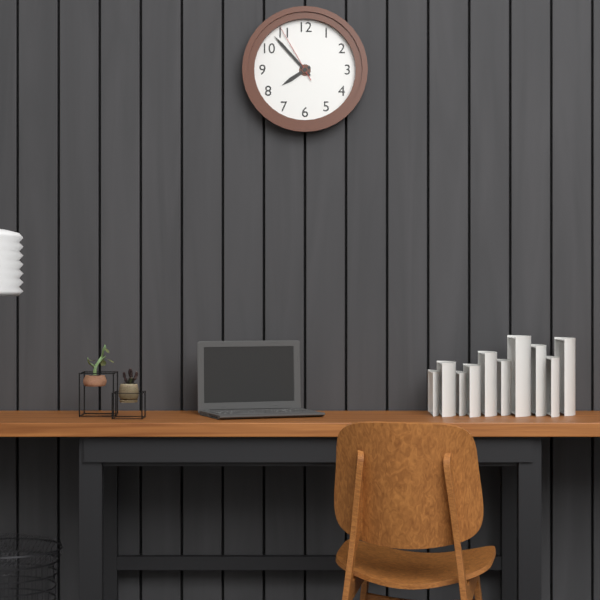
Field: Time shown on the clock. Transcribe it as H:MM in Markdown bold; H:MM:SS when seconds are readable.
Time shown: **7:53:55**
